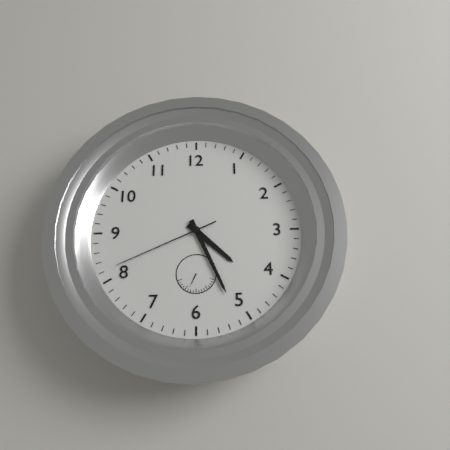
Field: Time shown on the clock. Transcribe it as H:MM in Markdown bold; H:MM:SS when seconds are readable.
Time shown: **4:26:41**
